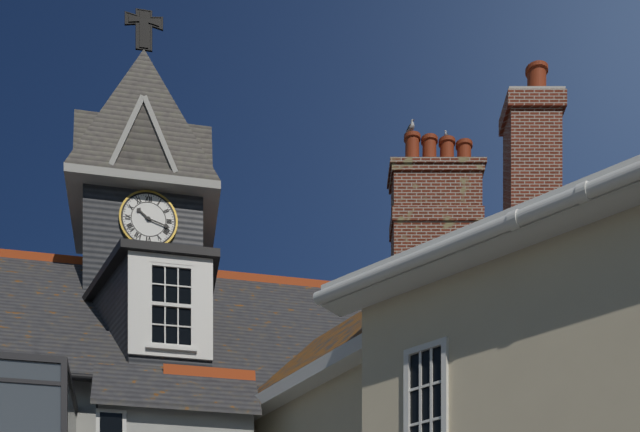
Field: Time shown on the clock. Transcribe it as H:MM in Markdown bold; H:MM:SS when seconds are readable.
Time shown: **10:18**
